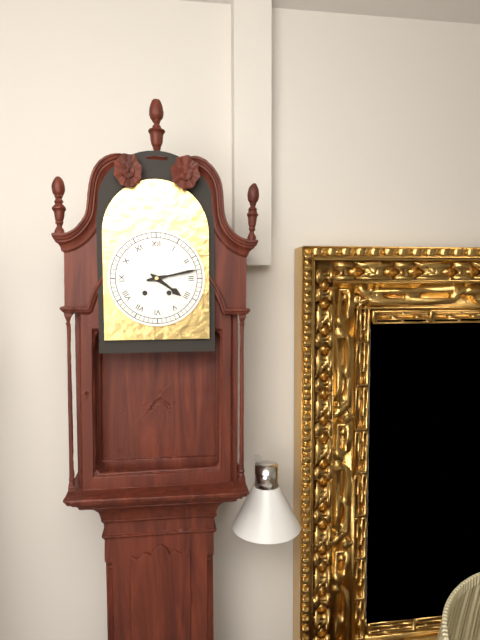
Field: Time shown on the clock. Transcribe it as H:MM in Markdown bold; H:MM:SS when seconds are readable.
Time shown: **4:13**
